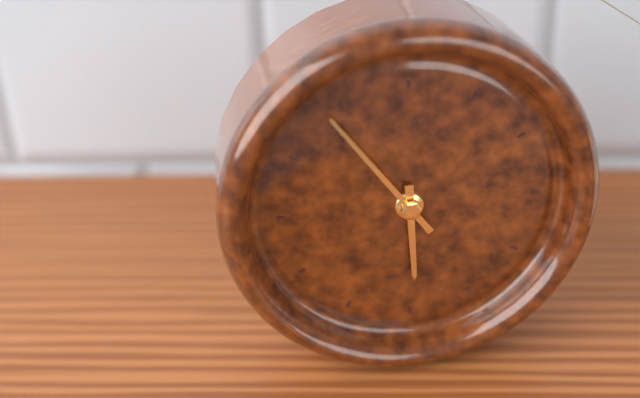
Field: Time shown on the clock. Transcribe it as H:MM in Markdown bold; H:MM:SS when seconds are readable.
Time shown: **5:54**
